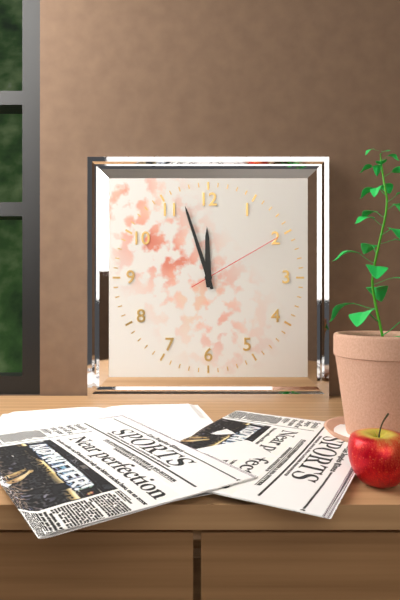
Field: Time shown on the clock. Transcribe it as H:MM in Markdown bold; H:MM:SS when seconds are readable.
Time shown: **11:57:10**
